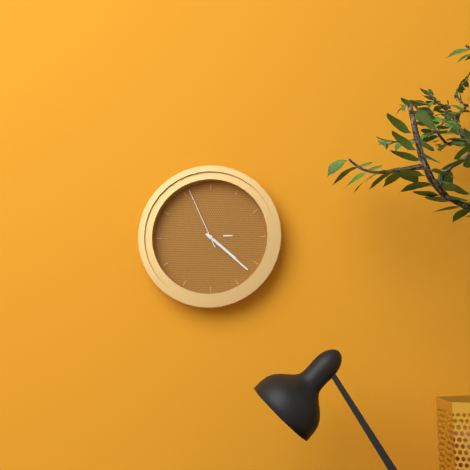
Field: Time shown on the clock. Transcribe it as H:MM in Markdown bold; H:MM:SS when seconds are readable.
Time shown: **4:22:56**
